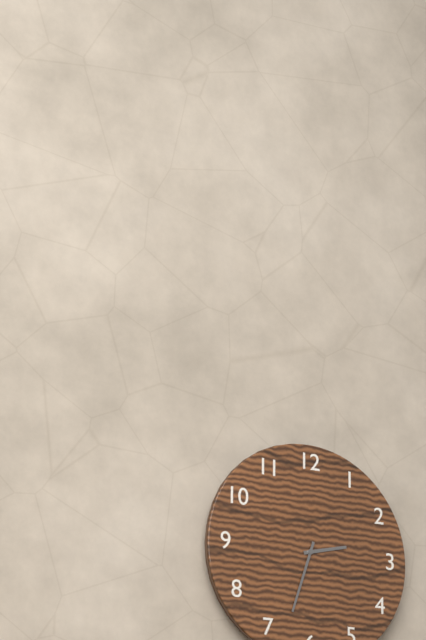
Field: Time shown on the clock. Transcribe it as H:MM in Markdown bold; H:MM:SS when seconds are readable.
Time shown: **2:33**
